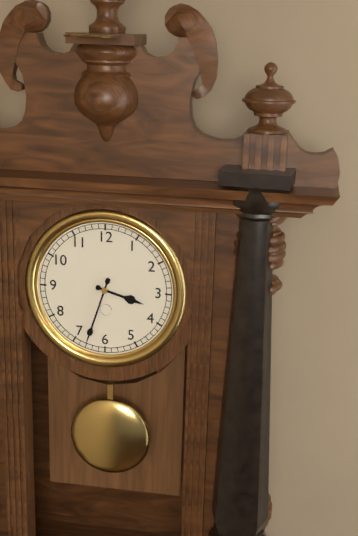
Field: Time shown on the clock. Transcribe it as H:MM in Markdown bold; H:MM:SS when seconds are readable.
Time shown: **3:33**
